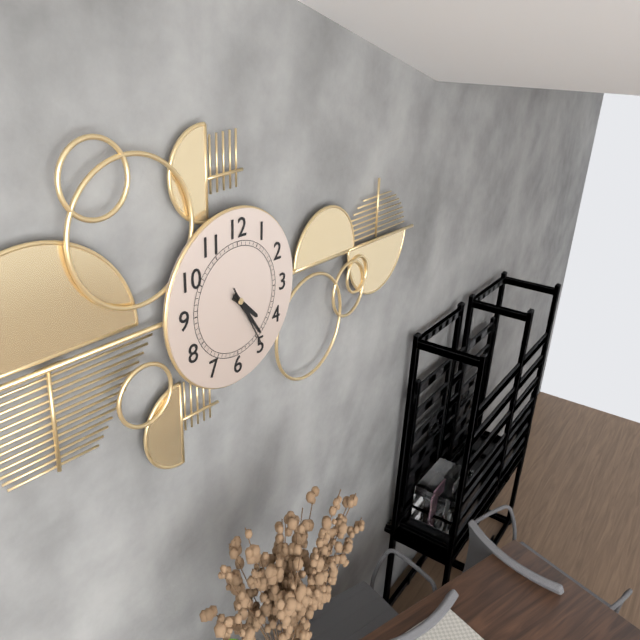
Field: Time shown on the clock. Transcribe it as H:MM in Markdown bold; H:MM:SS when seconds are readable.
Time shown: **4:24:25**
